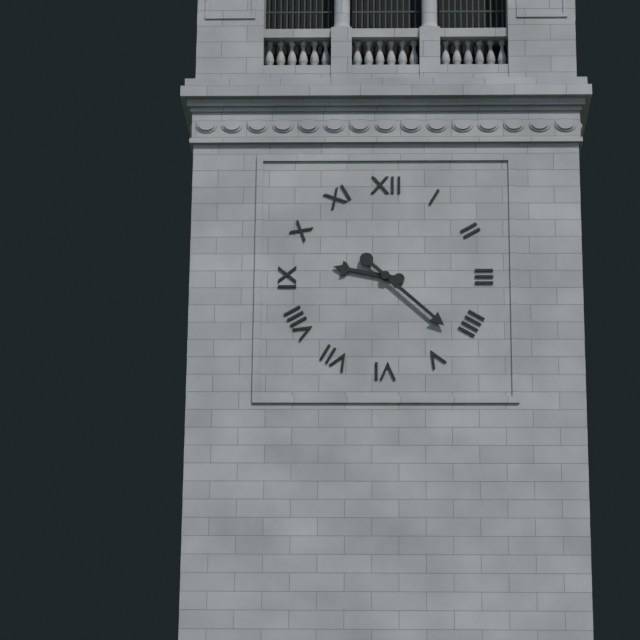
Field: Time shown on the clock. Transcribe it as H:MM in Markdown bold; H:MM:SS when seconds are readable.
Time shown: **9:22**
